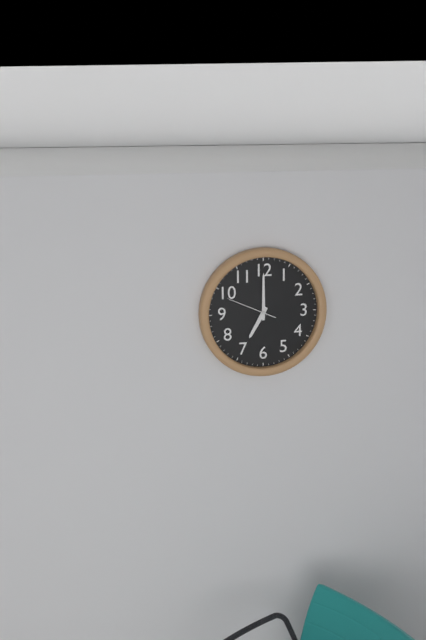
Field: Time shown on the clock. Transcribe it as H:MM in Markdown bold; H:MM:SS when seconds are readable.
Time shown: **7:00:49**
